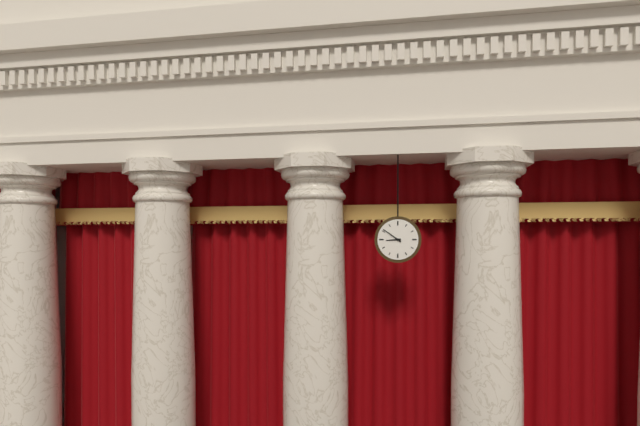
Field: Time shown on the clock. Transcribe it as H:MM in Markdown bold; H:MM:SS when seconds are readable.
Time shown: **8:51**
